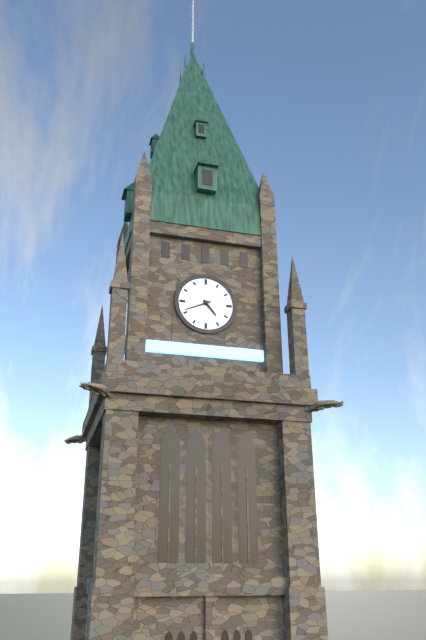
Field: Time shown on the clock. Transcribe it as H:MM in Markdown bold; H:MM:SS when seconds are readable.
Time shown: **4:41**
